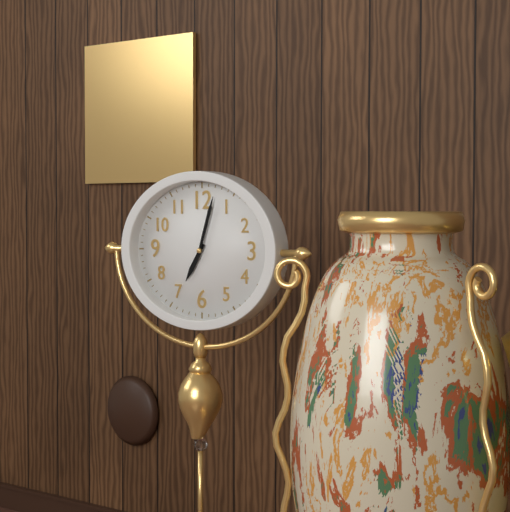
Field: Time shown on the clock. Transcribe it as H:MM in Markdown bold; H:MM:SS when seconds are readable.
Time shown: **7:03**
